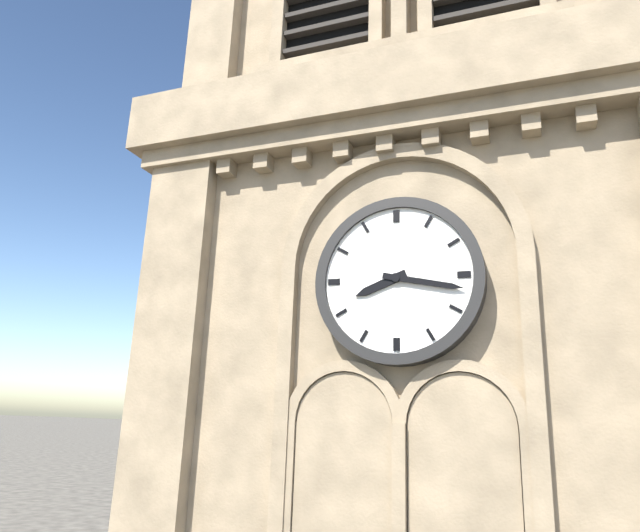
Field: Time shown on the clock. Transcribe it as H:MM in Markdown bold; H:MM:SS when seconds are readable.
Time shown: **8:17**
